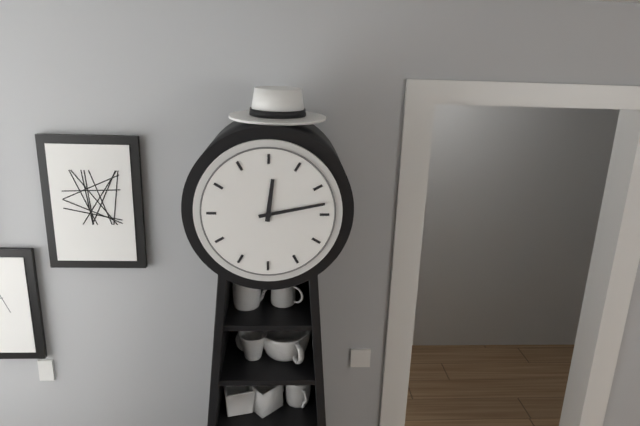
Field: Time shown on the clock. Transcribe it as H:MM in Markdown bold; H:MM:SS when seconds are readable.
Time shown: **12:13**
